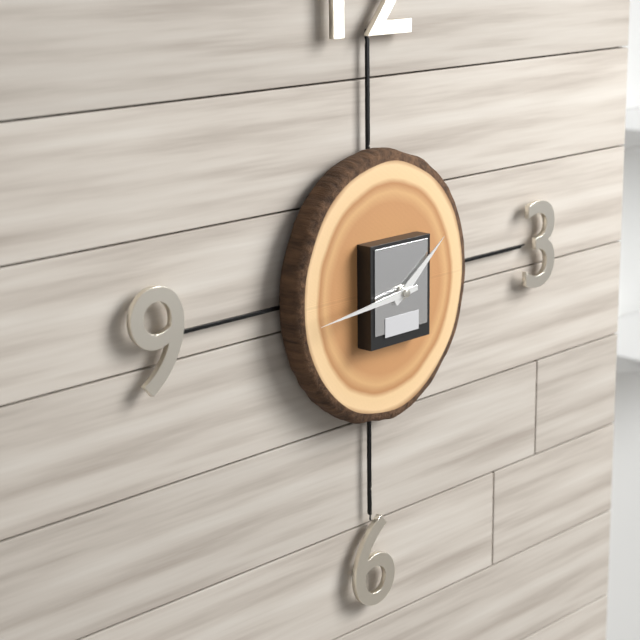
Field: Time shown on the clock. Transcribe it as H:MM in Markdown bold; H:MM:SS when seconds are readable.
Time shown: **1:44**
